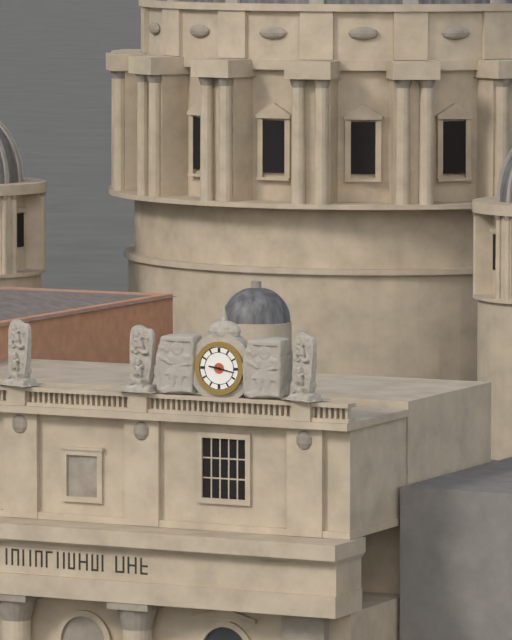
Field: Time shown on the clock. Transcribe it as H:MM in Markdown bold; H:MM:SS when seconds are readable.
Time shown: **9:17**
